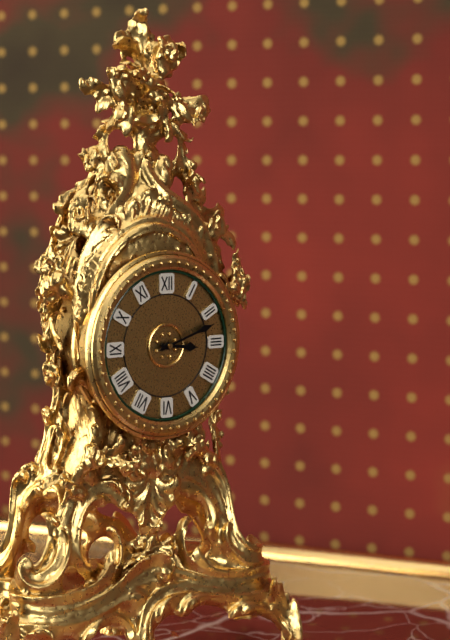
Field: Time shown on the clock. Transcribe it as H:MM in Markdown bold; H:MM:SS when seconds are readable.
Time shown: **3:12**
